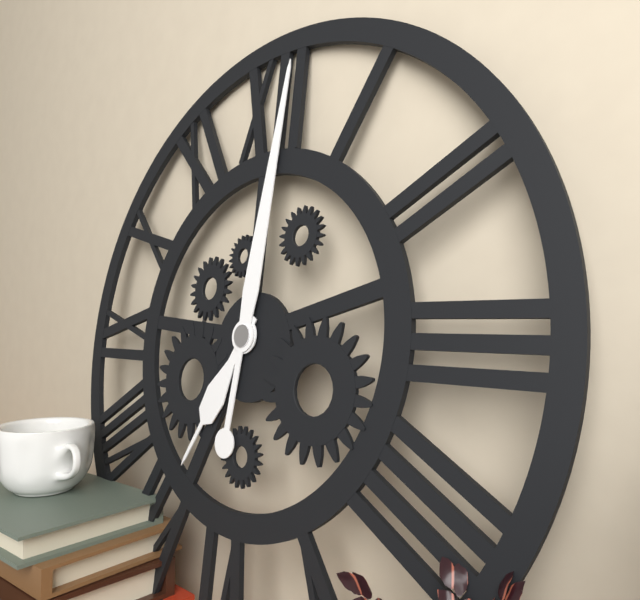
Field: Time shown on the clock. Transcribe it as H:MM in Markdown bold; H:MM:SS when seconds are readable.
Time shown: **7:01**
